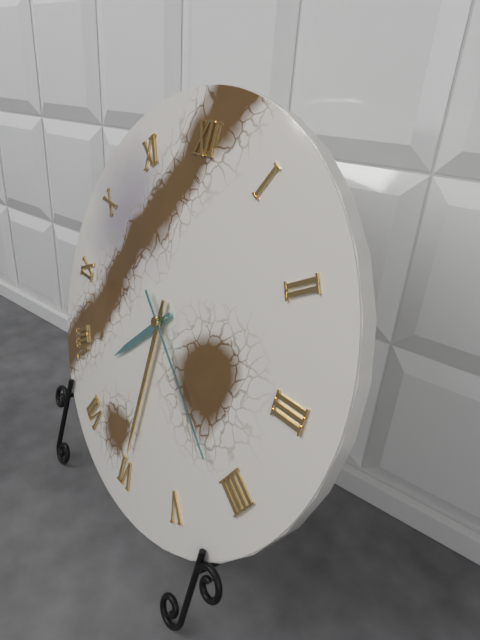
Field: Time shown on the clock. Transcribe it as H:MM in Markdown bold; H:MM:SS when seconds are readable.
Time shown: **7:30:21**
